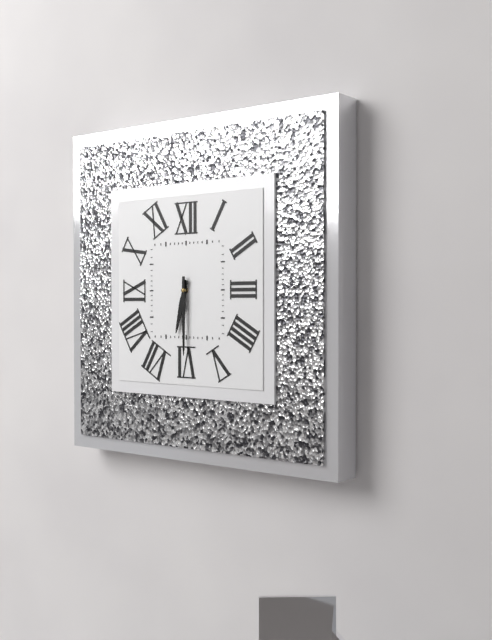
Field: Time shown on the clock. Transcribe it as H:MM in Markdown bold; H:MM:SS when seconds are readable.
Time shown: **6:30**
